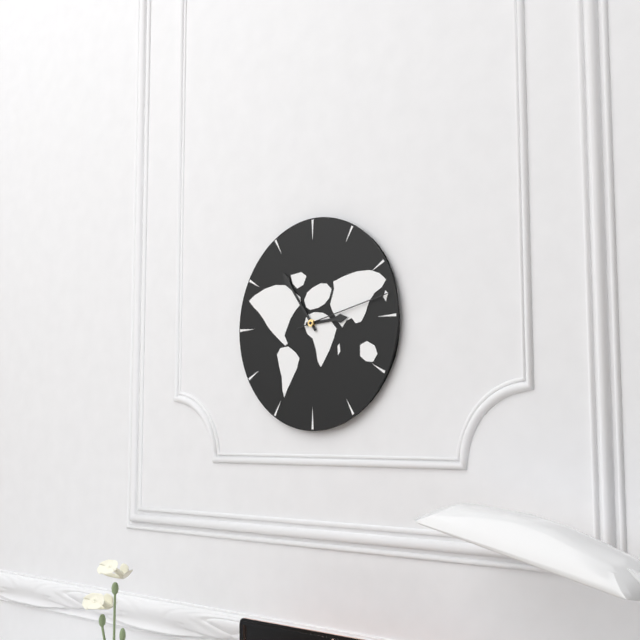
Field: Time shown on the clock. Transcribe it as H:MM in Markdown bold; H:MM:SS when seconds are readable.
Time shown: **2:54:13**
